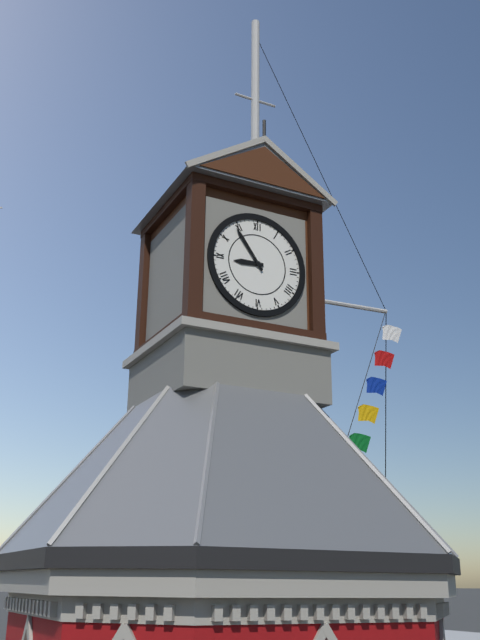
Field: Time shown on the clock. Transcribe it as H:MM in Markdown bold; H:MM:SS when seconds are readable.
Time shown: **8:54**
